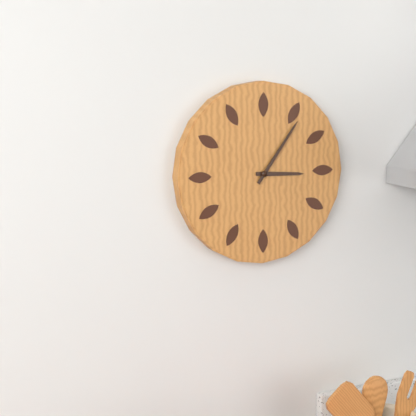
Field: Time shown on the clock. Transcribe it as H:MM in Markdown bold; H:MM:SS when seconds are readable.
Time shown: **3:06**
